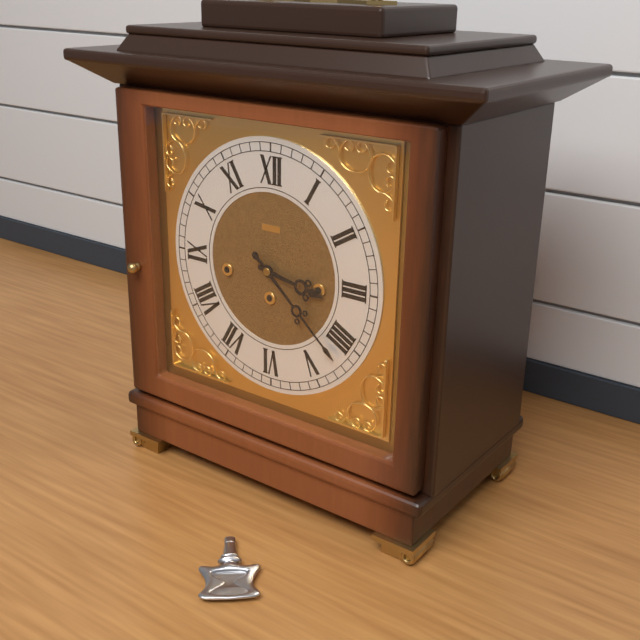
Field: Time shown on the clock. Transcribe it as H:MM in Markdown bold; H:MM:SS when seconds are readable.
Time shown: **3:22**
